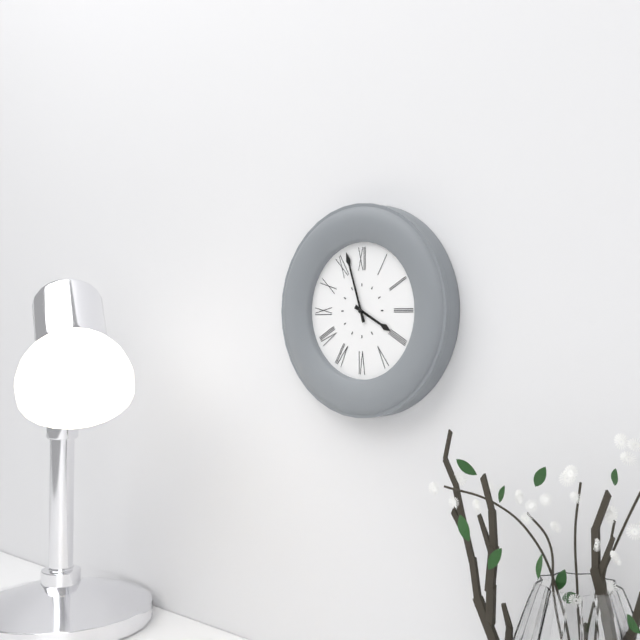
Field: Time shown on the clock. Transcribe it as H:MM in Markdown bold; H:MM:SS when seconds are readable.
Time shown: **3:57**
